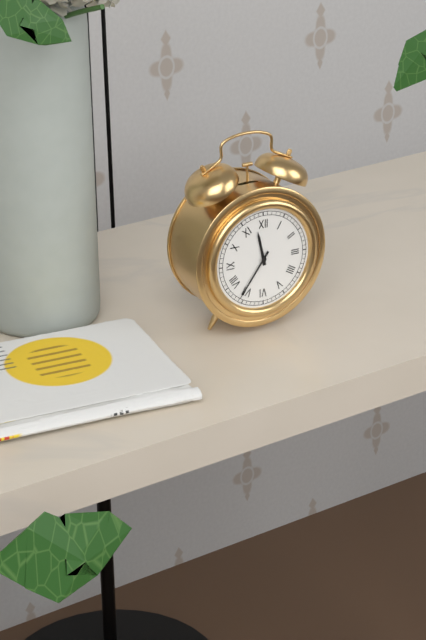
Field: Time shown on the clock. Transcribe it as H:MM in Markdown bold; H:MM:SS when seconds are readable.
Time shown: **11:36**
